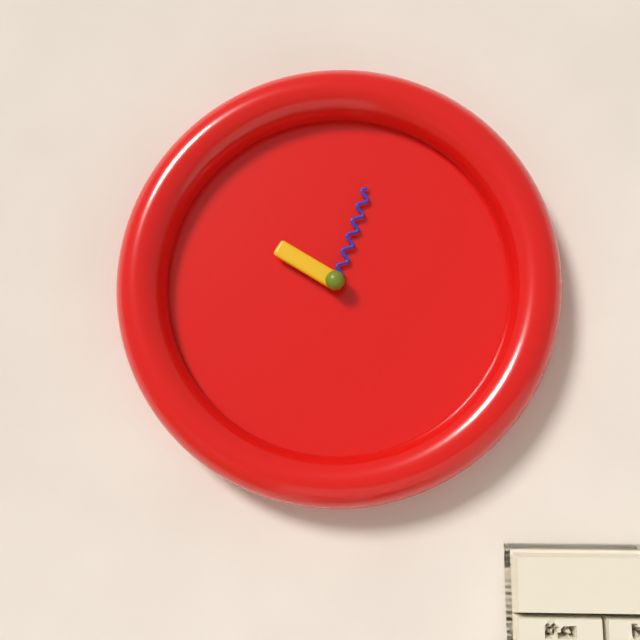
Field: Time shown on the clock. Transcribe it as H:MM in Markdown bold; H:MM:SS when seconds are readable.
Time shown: **10:03**
